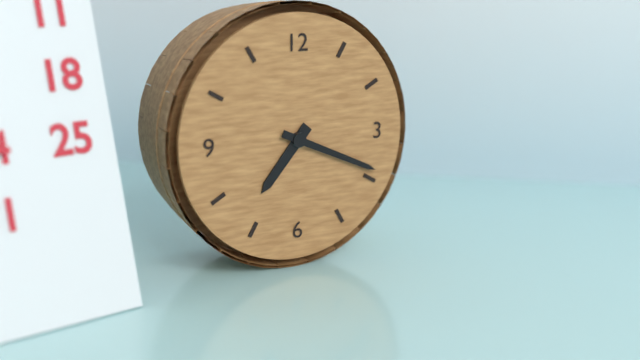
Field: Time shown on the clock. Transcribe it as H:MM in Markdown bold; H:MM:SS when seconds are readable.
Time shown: **7:19**
